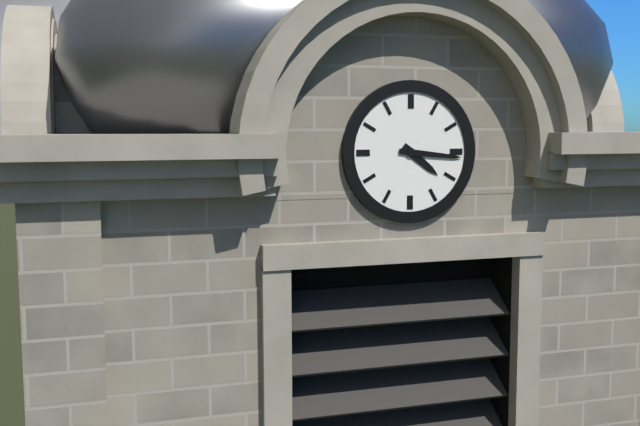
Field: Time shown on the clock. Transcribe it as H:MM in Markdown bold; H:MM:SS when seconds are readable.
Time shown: **4:16**
